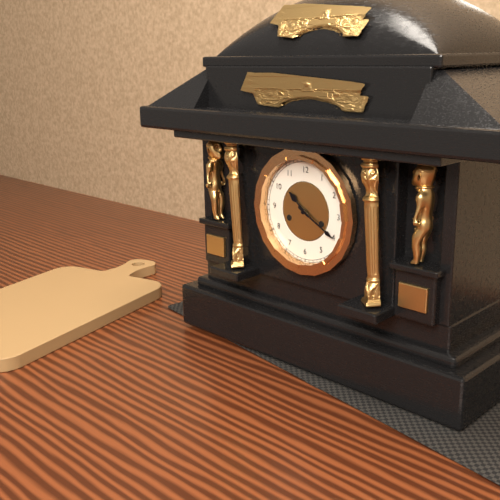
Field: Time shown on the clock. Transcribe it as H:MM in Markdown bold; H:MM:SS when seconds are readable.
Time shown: **10:20**
